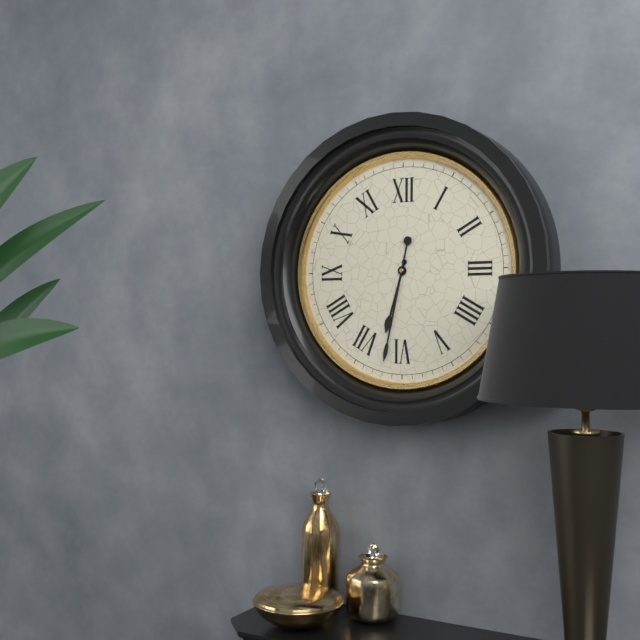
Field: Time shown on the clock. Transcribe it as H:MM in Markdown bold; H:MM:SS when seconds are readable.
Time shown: **6:32**
